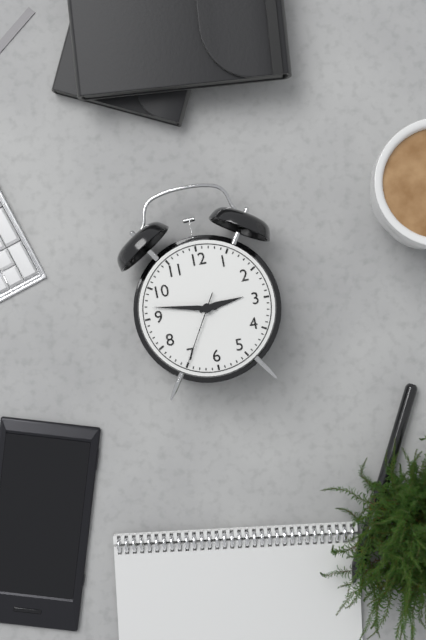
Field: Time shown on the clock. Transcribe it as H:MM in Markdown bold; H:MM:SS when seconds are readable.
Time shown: **2:47:35**
